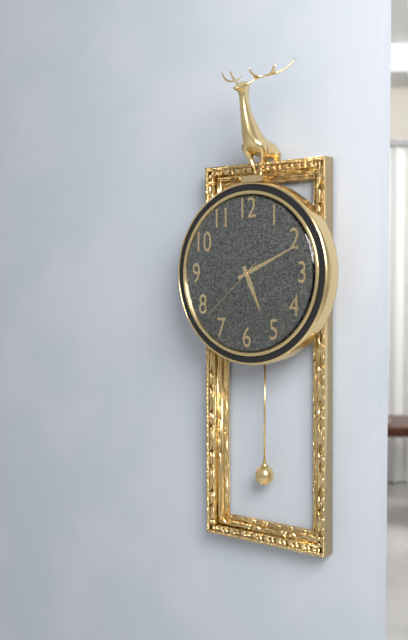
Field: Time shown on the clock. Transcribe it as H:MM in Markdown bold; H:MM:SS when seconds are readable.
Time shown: **5:11:38**
